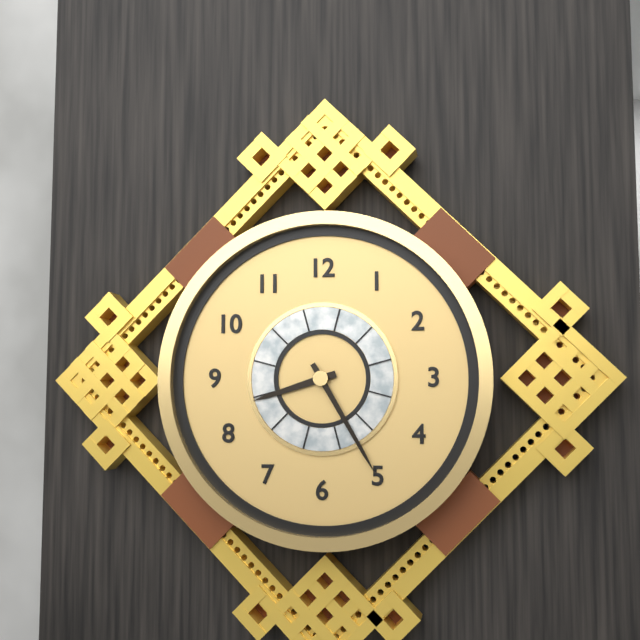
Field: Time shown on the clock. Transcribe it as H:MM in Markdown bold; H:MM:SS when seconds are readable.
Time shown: **8:25**
